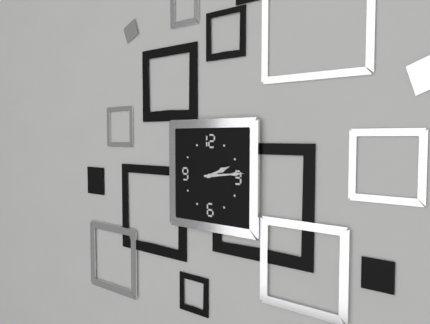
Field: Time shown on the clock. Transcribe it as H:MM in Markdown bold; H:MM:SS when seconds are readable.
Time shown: **2:14**
